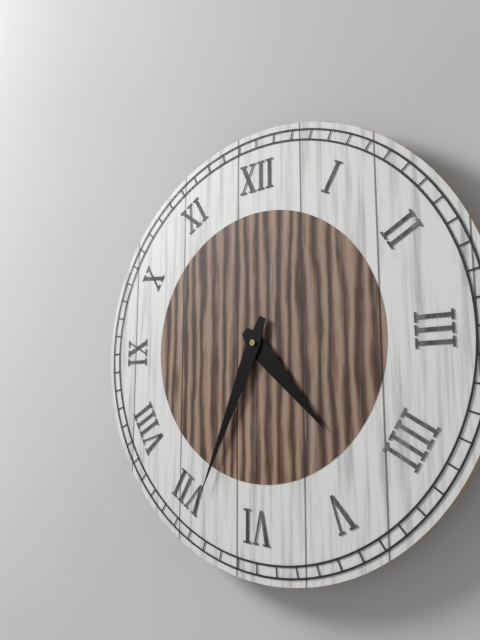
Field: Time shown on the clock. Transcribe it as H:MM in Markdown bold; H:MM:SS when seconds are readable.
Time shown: **4:34**
